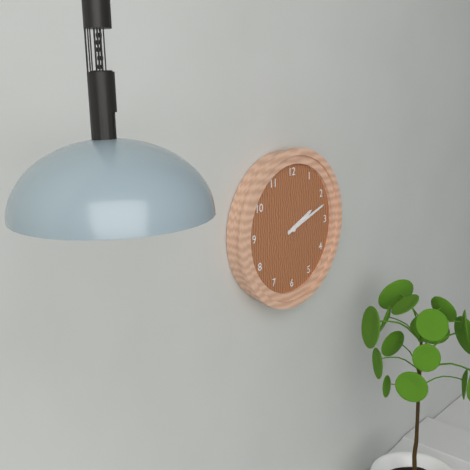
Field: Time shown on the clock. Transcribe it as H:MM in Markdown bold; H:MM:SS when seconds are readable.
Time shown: **2:12**
